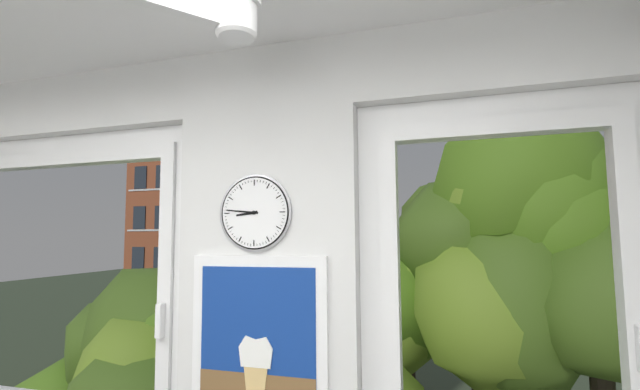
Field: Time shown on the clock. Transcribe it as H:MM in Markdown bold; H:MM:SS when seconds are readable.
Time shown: **8:46**
